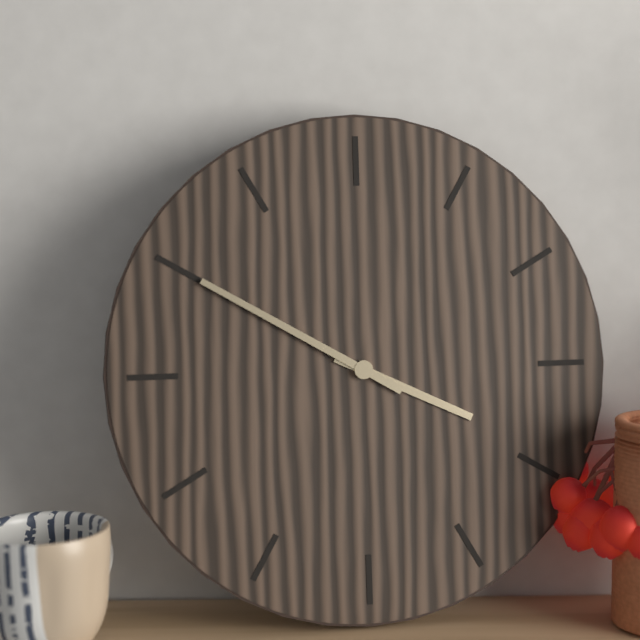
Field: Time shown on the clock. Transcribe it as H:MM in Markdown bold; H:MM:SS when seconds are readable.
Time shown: **3:50**
